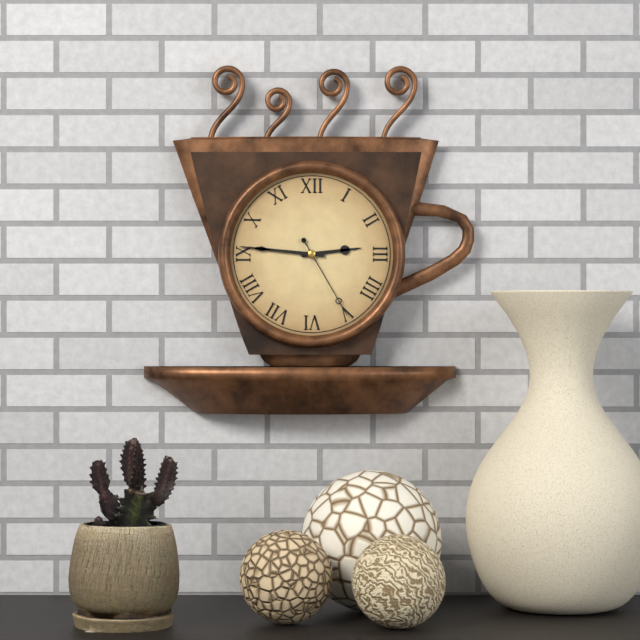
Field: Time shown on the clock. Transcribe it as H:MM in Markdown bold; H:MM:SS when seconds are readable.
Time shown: **2:46:25**
